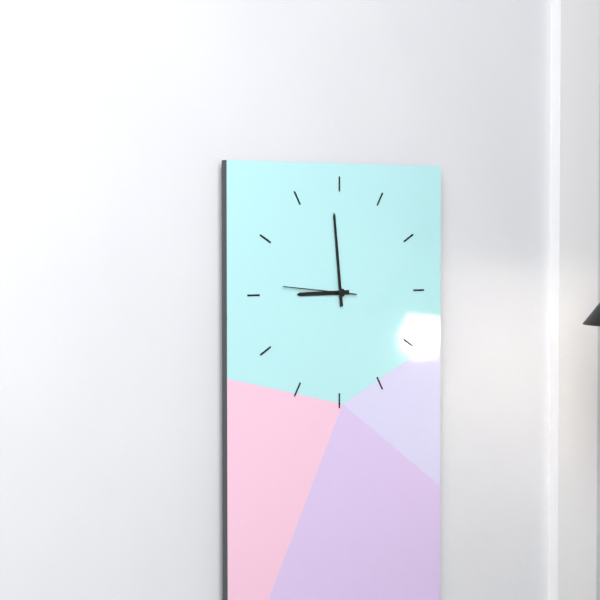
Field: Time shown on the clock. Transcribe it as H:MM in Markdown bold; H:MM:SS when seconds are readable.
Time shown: **8:59:46**
